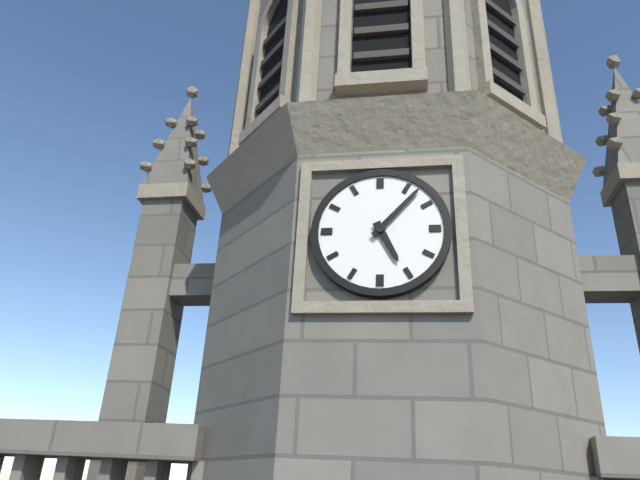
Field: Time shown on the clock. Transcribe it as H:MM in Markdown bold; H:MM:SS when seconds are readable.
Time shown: **5:07**
